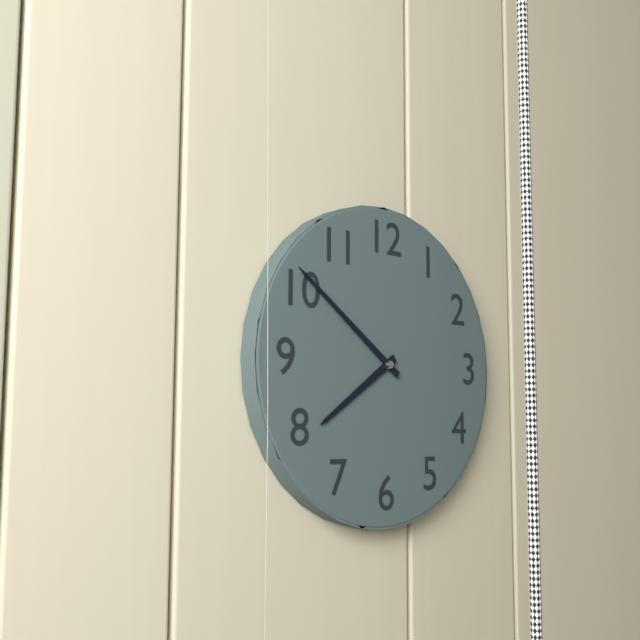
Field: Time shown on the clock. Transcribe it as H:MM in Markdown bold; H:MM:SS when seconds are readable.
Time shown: **7:51**
